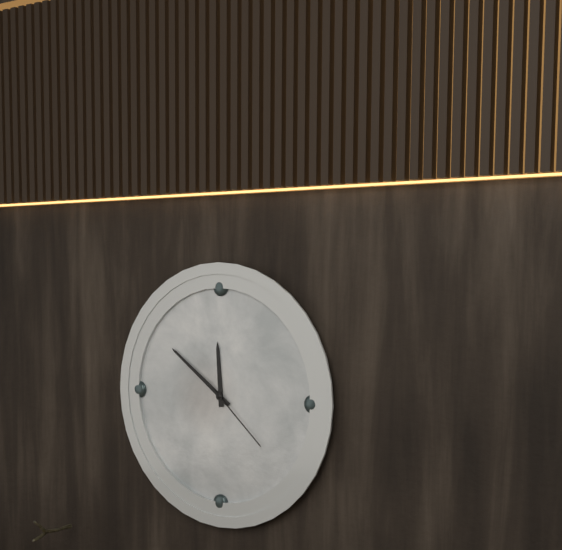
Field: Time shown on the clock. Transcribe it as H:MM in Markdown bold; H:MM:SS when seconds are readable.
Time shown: **11:51:22**
